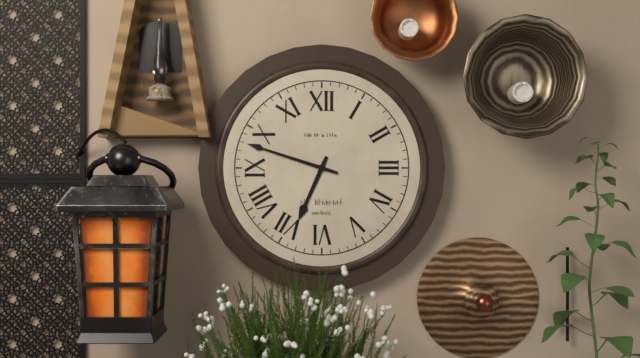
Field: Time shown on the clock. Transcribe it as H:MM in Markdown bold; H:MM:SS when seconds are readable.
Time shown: **6:48**
